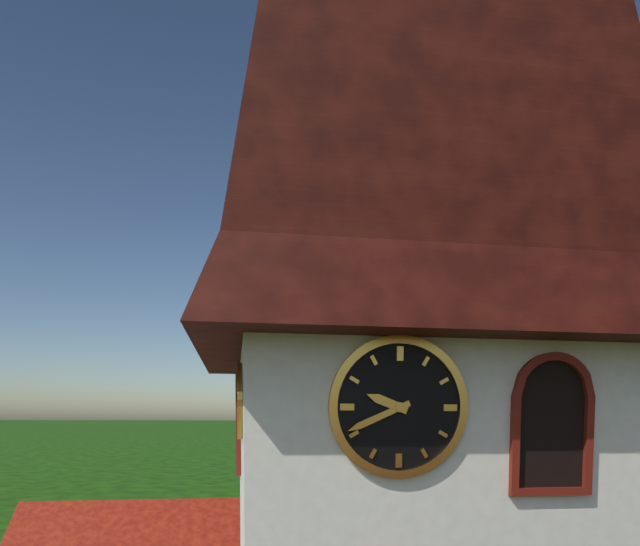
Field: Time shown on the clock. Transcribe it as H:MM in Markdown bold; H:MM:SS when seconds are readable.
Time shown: **9:41**
